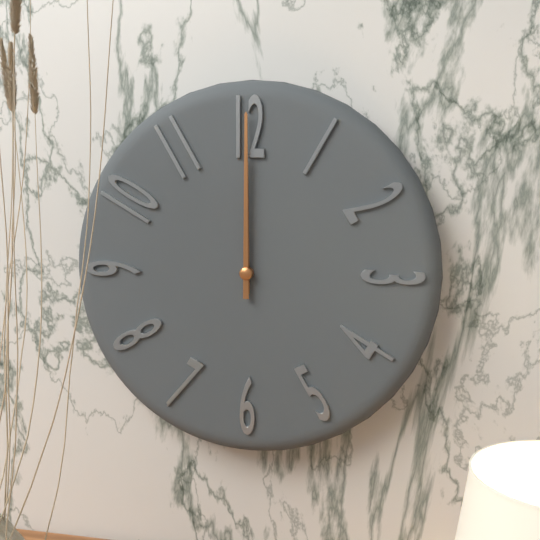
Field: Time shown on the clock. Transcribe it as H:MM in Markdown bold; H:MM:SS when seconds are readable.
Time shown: **12:00**
